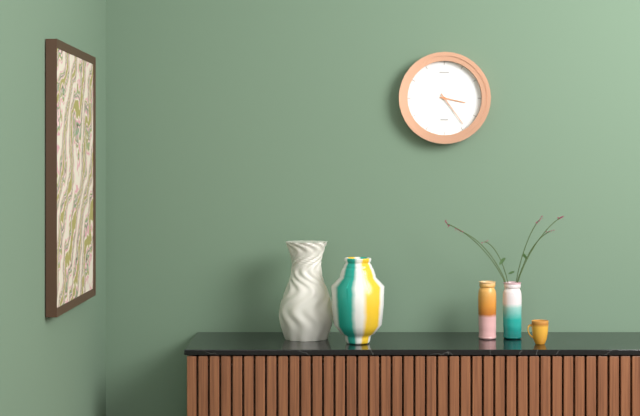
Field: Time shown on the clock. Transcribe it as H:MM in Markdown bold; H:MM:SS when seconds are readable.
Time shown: **3:24**
